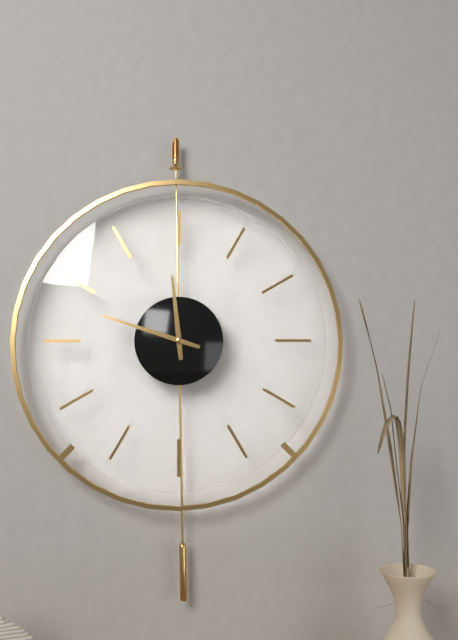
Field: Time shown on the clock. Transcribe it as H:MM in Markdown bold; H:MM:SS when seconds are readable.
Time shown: **11:48**
